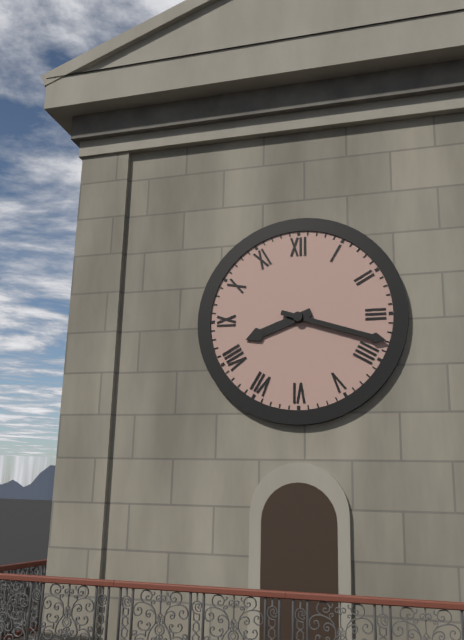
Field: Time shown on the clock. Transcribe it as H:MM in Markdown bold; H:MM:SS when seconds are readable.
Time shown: **8:18**
